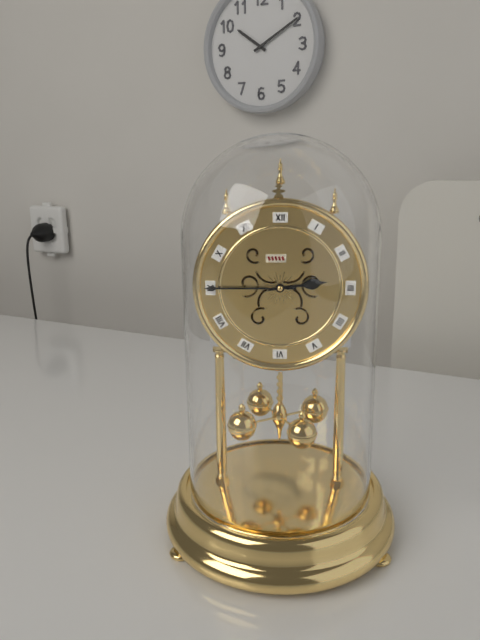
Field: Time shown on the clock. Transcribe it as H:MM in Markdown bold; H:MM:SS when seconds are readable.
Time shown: **2:45**
